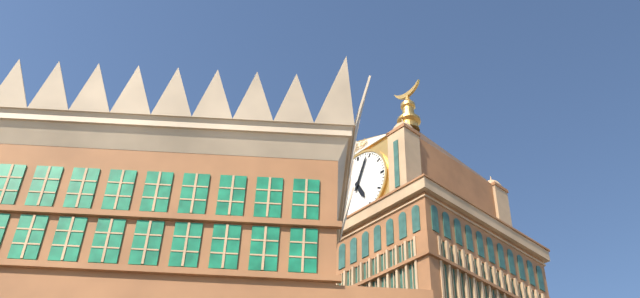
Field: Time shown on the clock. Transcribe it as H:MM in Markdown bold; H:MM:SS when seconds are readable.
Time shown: **5:04**
